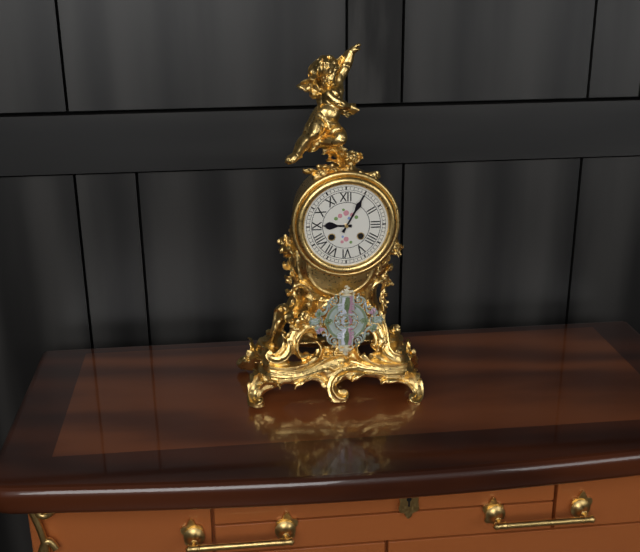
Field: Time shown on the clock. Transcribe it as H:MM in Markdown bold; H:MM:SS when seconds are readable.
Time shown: **9:05**
